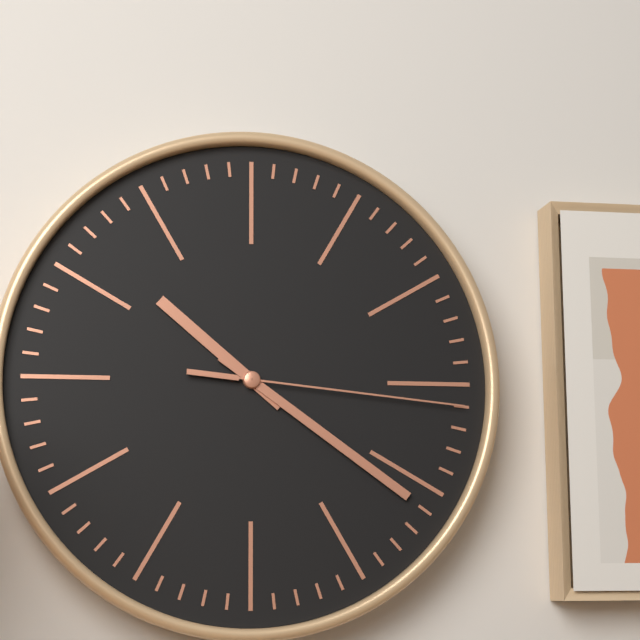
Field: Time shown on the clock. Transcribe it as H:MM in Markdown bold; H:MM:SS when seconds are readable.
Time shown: **10:21:16**
